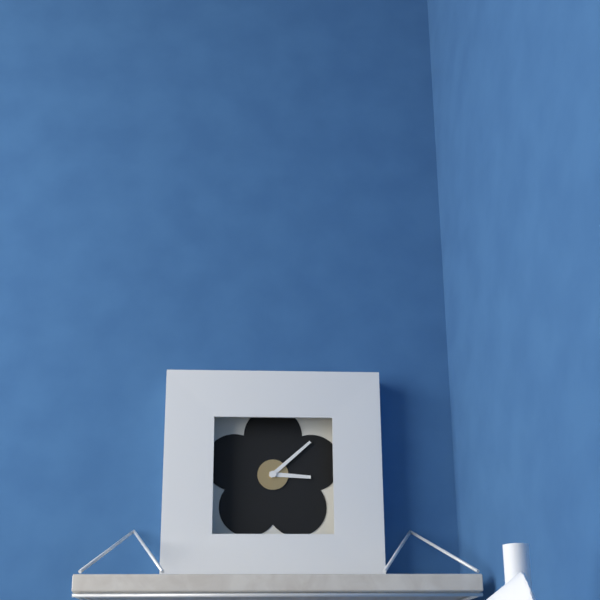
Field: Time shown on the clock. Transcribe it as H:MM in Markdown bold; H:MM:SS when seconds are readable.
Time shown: **3:08**
